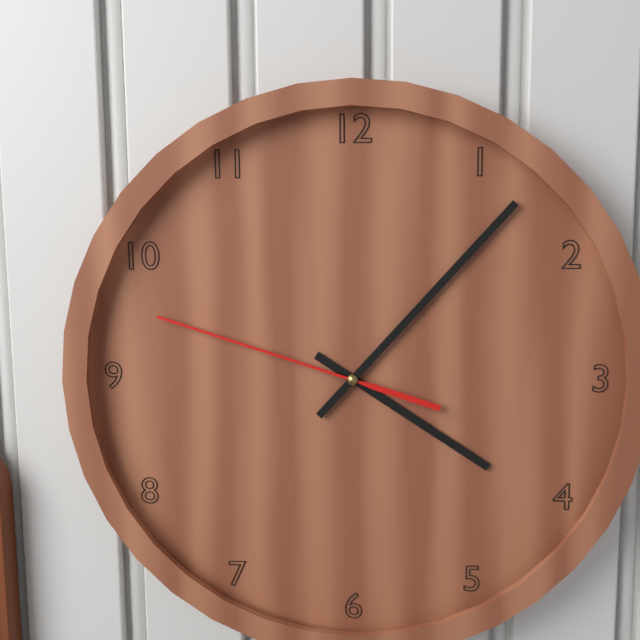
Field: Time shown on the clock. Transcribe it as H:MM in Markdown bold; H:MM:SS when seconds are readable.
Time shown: **4:07:48**
